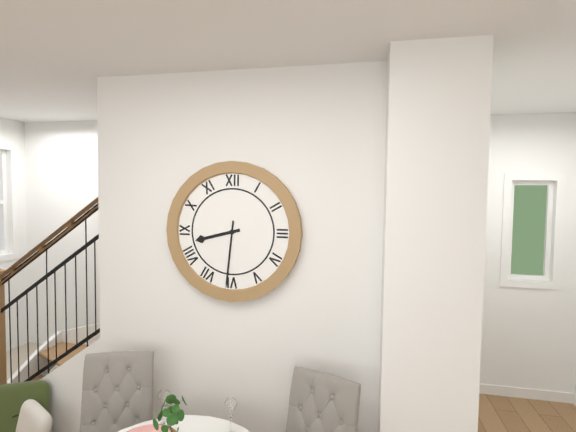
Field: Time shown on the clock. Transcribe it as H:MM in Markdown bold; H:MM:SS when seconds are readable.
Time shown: **8:31**
